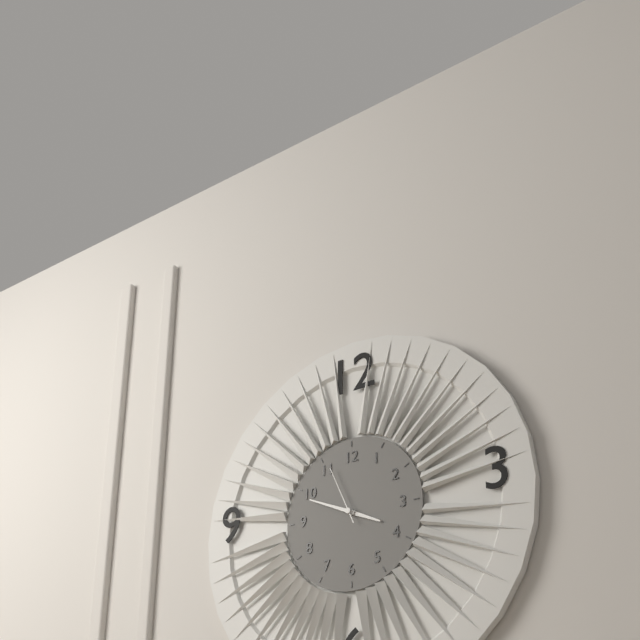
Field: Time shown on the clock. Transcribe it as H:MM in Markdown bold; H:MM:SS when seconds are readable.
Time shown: **3:49:56**
